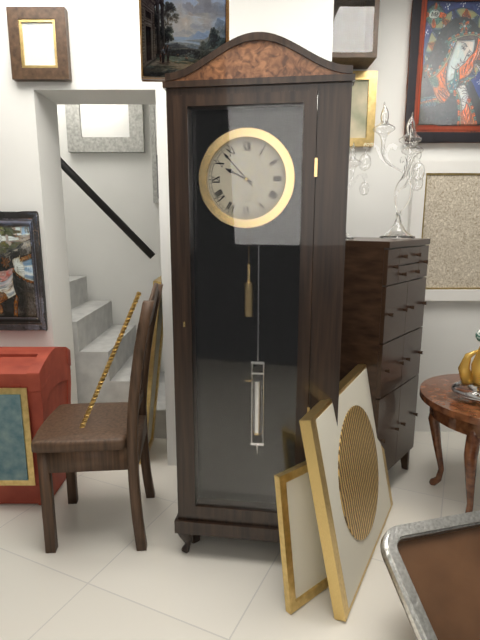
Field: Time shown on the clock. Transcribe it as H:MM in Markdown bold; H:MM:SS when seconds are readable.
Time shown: **9:53**
